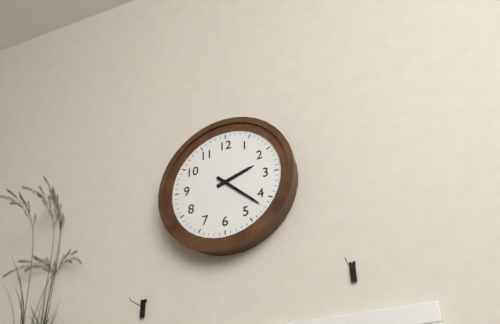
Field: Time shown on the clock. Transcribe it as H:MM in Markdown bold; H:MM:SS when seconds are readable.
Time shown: **2:22**
